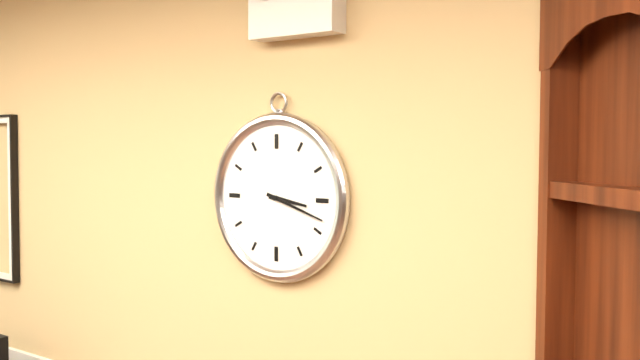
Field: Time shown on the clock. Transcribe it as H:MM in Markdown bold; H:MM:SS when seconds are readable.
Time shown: **3:18**
